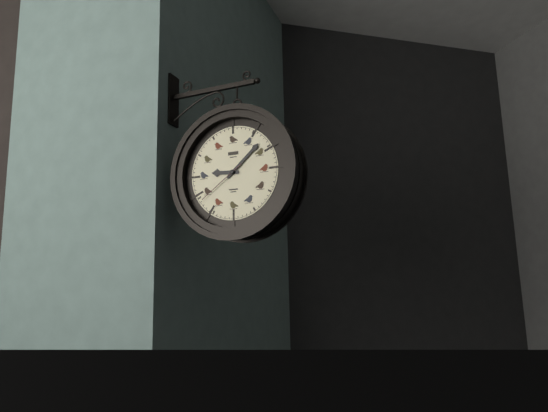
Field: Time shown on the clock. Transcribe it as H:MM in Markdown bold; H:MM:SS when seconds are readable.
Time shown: **9:08:39**
